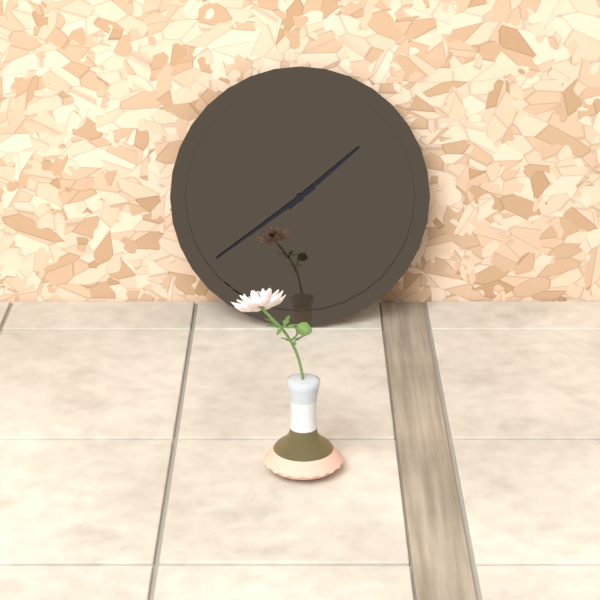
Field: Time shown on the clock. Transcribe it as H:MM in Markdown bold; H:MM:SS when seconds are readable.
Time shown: **1:39**
